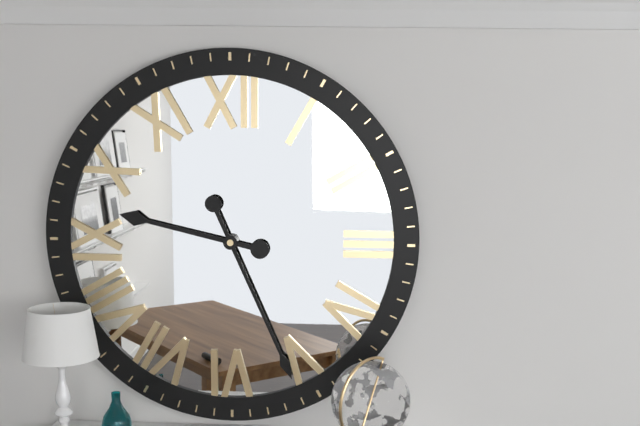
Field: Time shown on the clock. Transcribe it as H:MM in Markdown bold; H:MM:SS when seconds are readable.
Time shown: **9:26**
